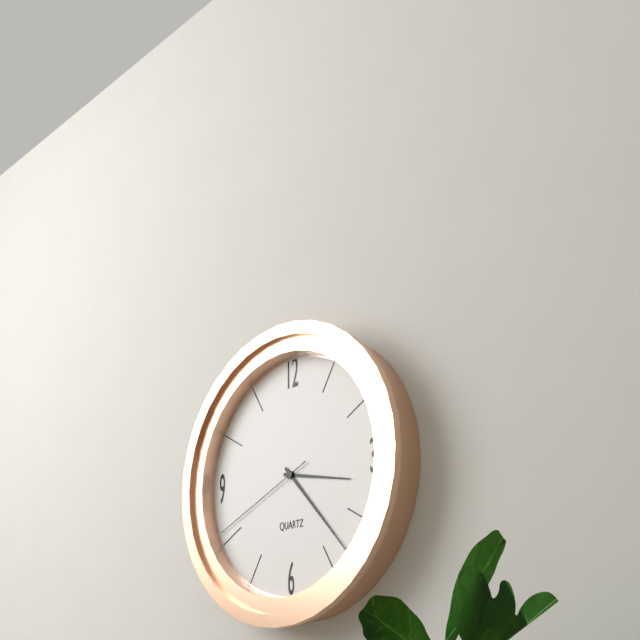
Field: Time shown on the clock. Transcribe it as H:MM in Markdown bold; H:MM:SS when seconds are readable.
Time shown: **3:23:41**
